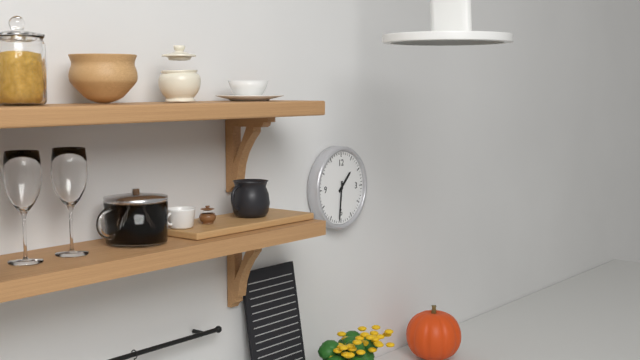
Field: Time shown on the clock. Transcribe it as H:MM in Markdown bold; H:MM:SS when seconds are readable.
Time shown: **1:31**
